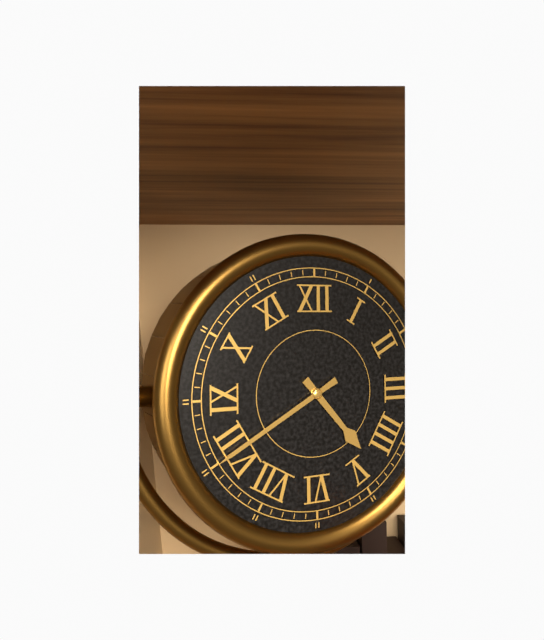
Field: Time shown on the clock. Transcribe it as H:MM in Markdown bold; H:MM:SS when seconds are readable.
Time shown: **4:40**
